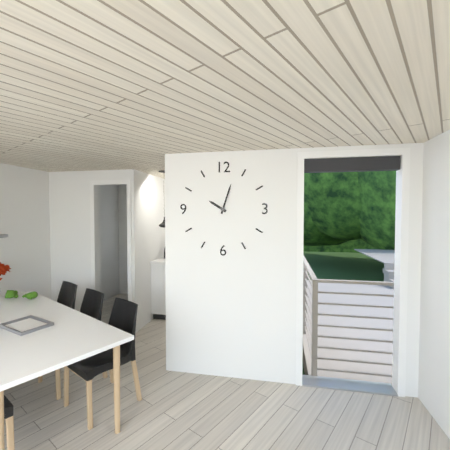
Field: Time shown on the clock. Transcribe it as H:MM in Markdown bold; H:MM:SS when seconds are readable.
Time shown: **10:03**
